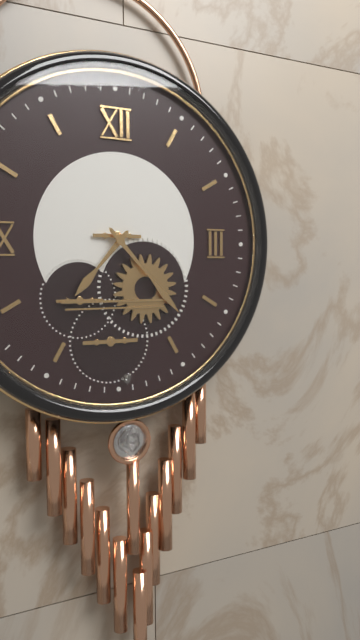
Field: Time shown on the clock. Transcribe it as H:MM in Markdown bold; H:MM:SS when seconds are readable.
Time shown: **7:23**
